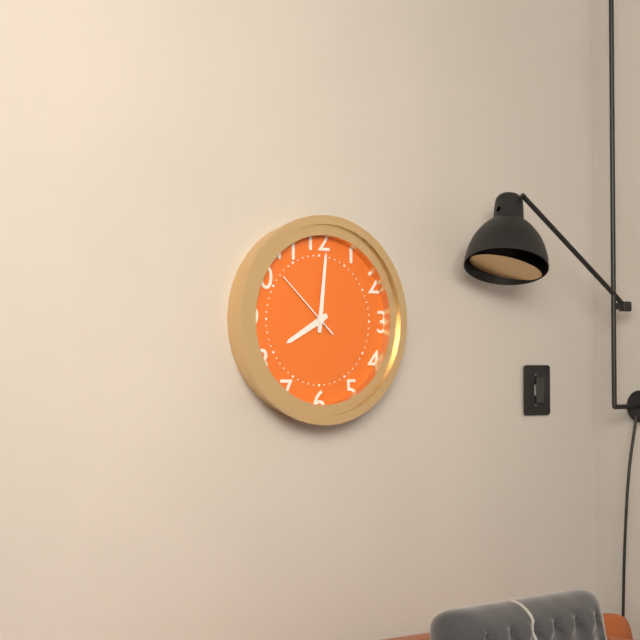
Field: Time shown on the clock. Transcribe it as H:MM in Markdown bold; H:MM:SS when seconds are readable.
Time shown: **8:01:52**
